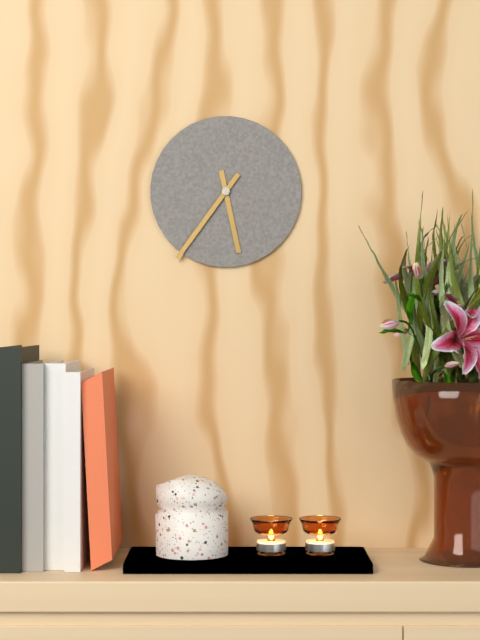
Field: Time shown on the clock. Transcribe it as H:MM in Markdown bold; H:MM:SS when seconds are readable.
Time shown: **5:36**
